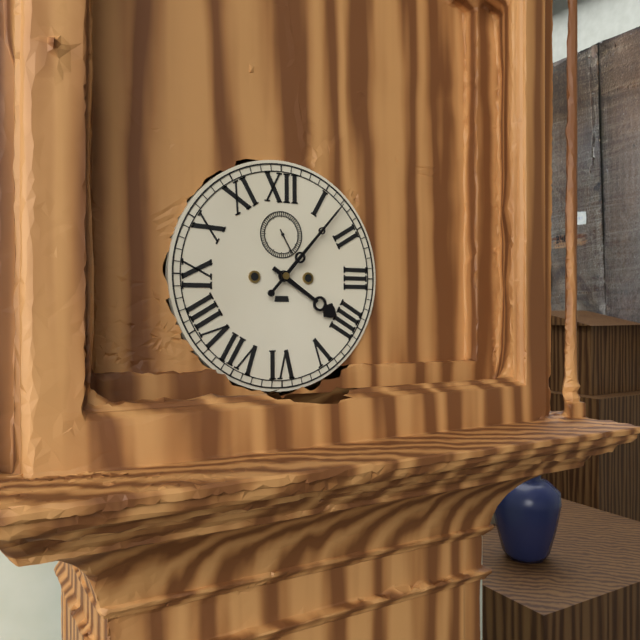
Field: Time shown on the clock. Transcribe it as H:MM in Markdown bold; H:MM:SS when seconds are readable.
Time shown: **4:07**
